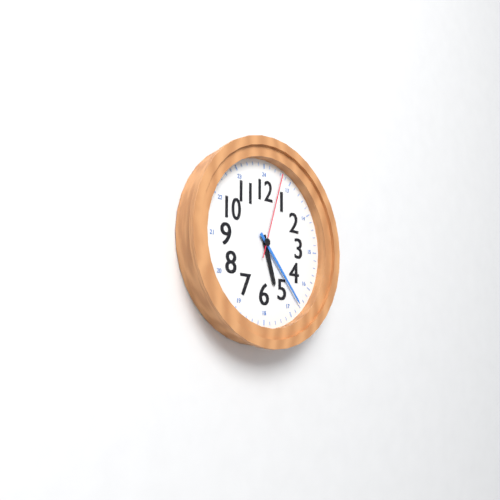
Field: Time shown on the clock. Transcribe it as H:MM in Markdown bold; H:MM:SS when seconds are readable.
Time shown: **5:23:03**
